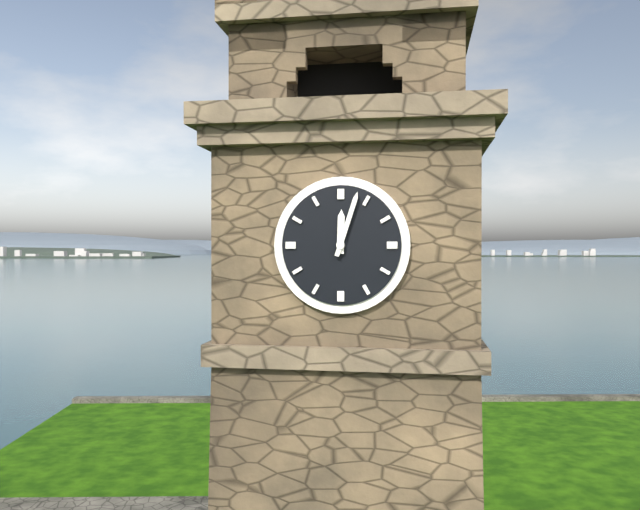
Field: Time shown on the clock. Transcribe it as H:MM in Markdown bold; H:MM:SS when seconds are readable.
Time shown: **12:03**
